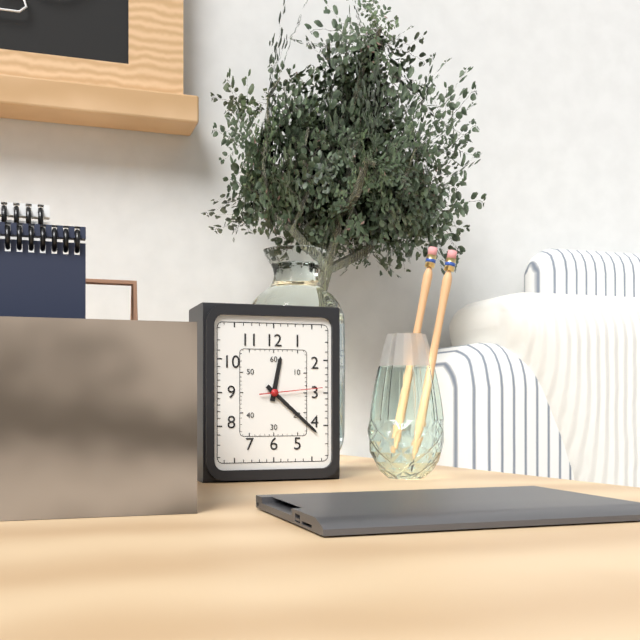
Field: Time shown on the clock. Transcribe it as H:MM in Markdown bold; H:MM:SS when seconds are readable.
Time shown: **12:22:14**
